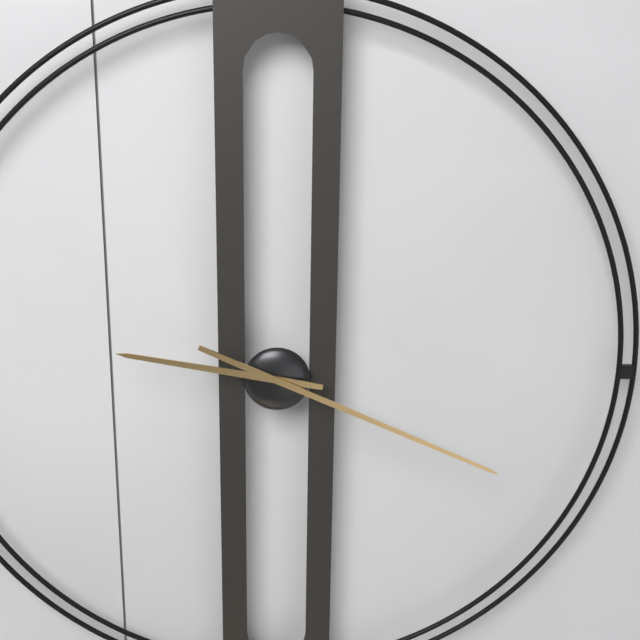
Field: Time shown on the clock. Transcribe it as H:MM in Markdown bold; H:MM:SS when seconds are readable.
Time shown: **9:19**
